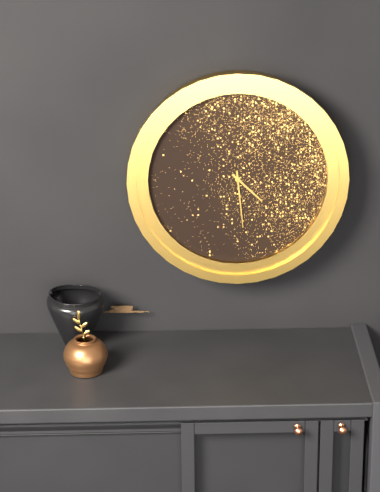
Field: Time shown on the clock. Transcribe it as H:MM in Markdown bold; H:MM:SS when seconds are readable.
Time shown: **4:29**
